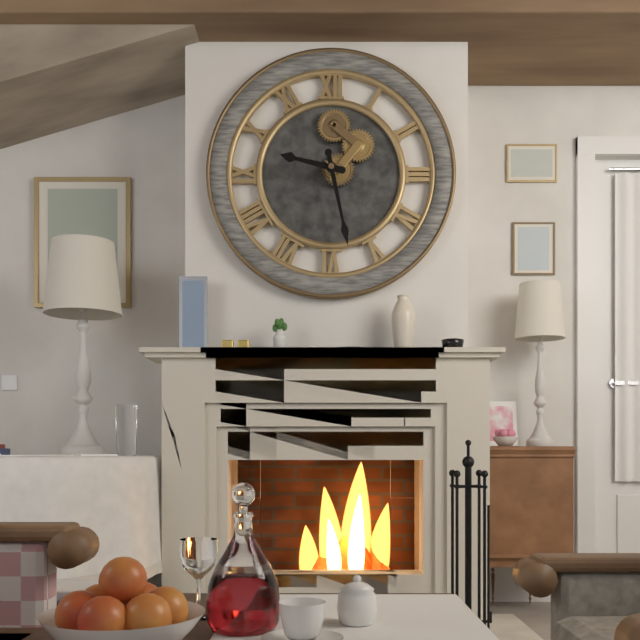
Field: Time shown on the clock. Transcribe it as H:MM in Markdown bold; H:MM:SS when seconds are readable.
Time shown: **9:28**
